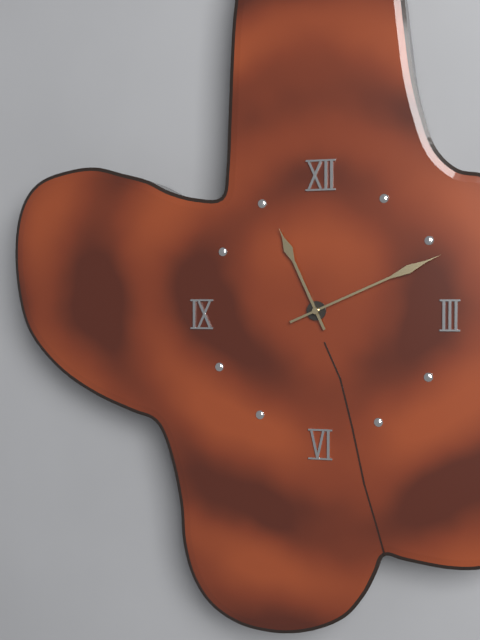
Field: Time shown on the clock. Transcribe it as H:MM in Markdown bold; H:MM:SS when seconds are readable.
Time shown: **11:11**
